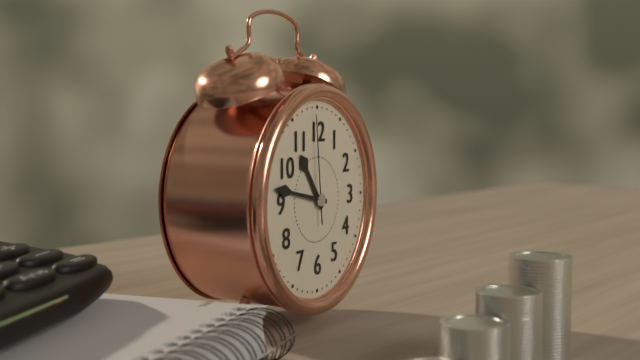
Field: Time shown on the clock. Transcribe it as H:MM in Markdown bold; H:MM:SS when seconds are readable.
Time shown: **10:47:59**
